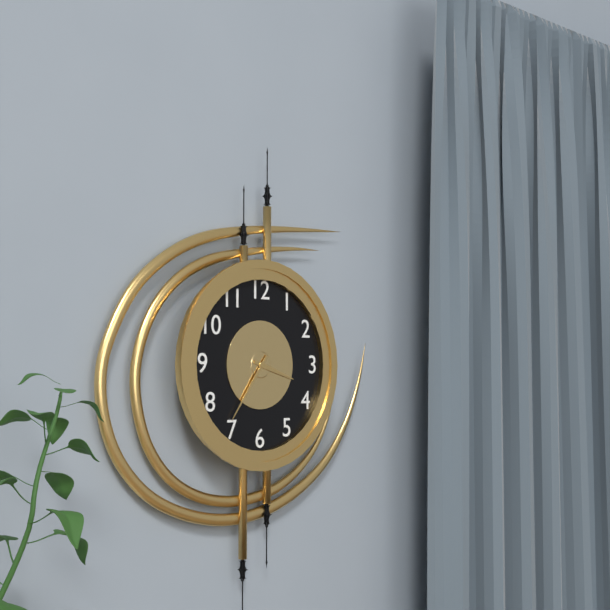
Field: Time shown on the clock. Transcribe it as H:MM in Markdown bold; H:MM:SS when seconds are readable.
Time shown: **3:36**
